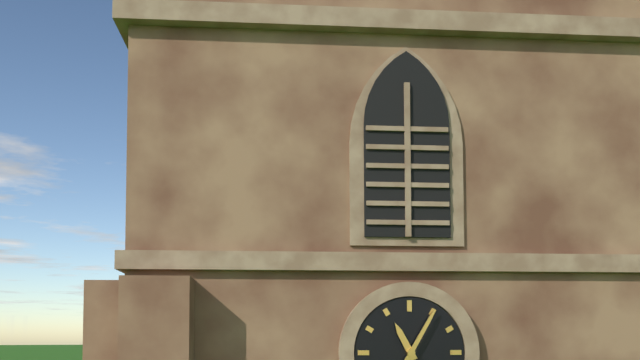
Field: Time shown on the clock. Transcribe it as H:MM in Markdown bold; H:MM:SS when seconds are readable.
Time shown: **11:05**
